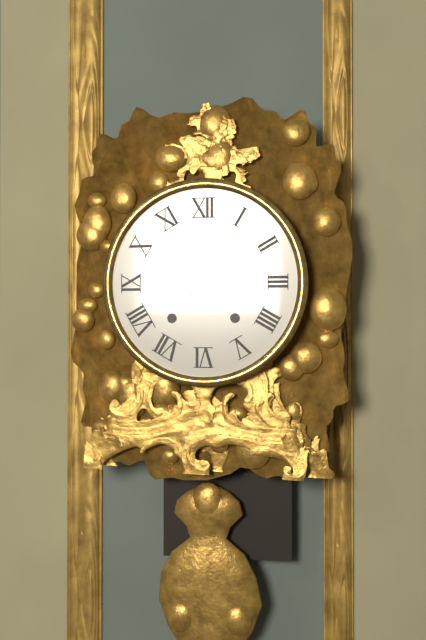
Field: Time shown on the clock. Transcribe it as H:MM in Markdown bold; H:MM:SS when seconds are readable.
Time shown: **2:09**
